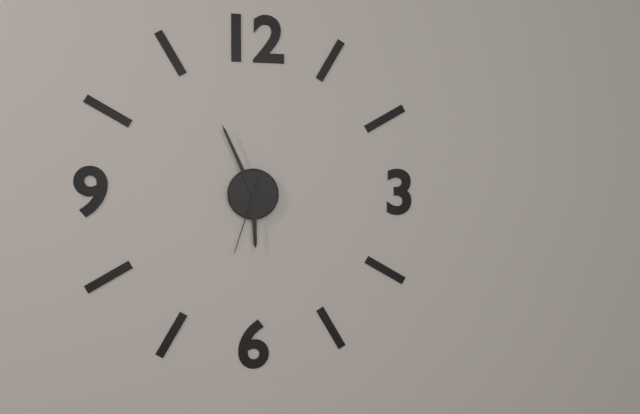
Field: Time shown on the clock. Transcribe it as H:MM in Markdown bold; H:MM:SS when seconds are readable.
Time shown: **5:56:33**
